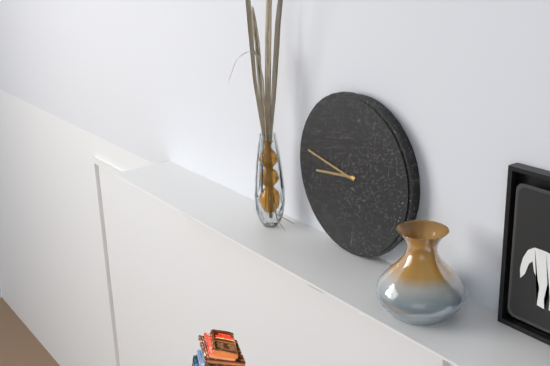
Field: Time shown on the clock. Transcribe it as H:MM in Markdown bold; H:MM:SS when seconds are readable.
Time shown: **8:47**
